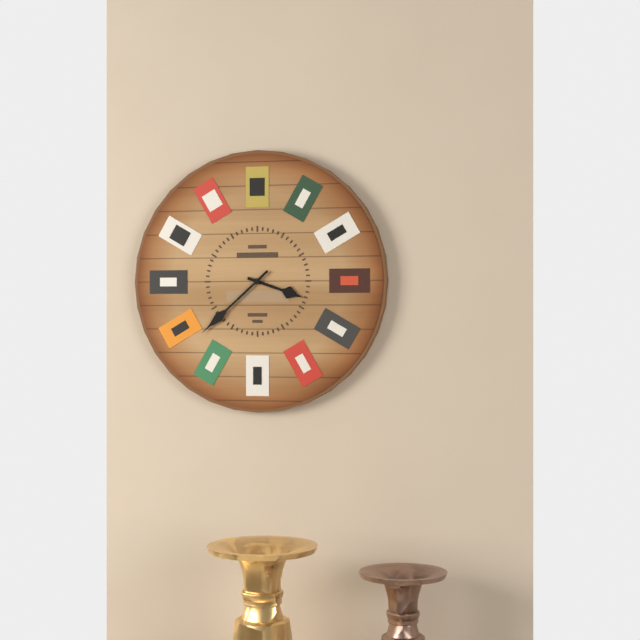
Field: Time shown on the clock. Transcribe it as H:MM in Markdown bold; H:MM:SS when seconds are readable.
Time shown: **3:38**
